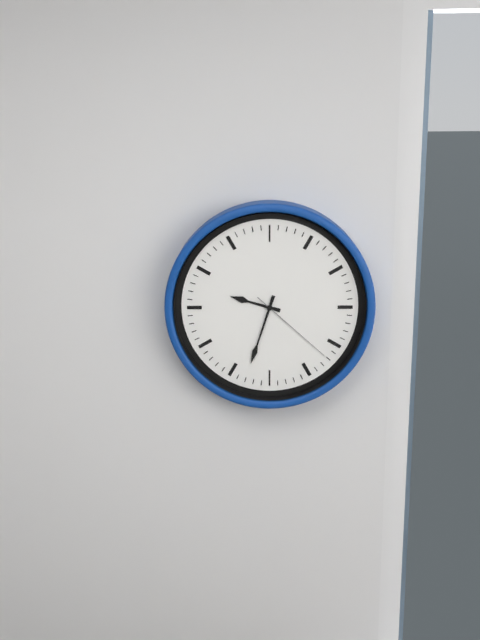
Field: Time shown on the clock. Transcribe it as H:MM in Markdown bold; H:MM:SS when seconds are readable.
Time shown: **9:33:22**
